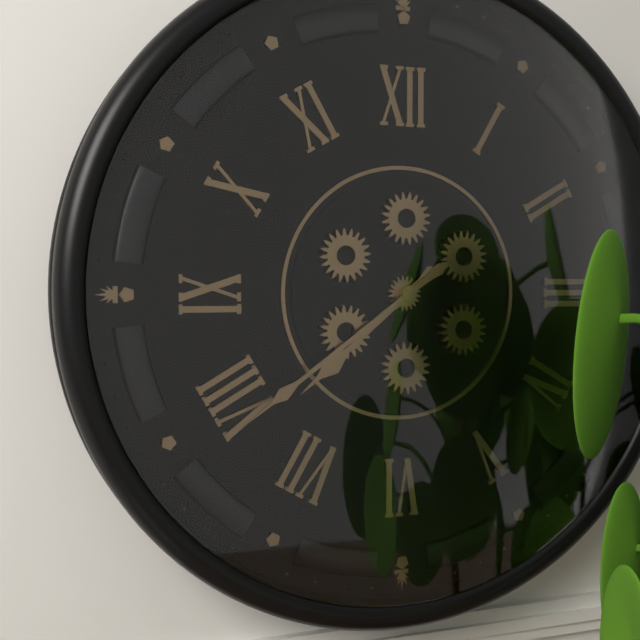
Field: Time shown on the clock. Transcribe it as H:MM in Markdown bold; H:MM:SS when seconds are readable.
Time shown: **7:39**
